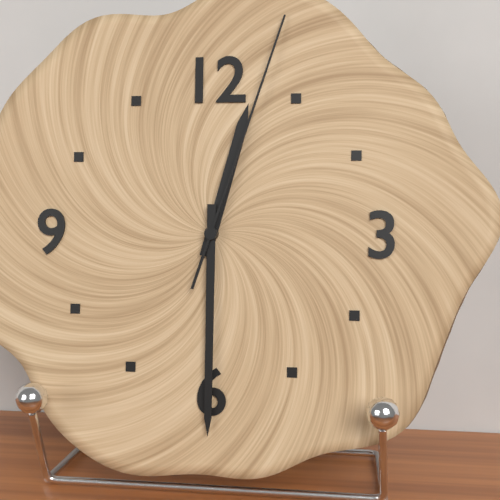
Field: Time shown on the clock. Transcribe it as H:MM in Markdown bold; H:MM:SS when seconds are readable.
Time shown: **12:30:03**
